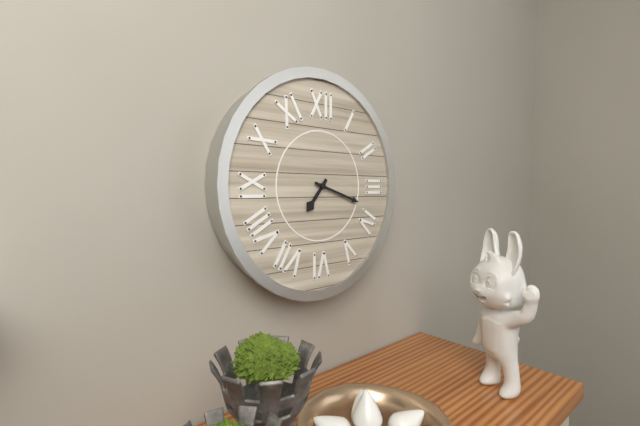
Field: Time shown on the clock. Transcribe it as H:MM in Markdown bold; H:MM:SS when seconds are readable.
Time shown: **7:18**
